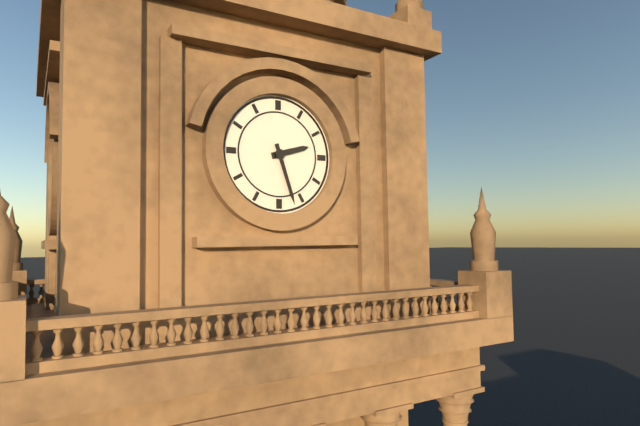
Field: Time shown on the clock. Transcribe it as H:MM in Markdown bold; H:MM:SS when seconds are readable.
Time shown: **2:27**
